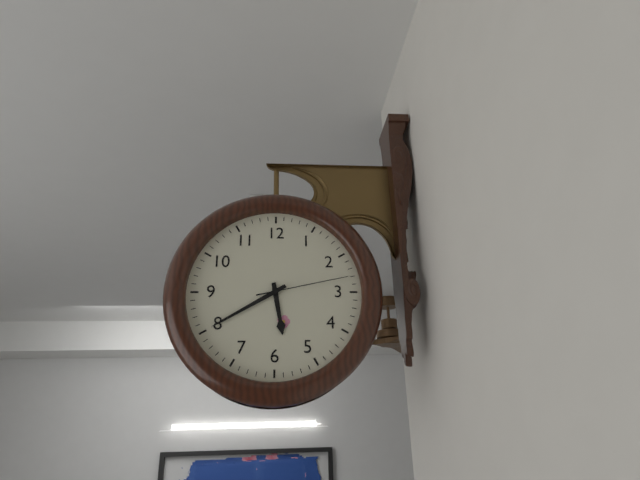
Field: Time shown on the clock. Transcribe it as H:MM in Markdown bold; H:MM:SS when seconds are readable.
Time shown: **5:40:13**
